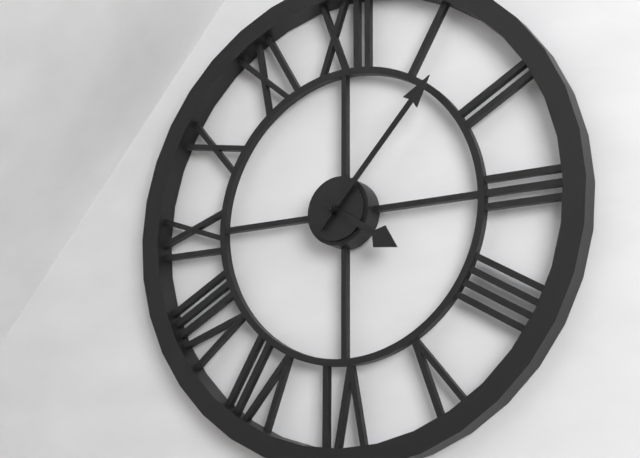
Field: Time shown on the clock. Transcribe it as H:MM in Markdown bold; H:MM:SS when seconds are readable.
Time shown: **4:07**
